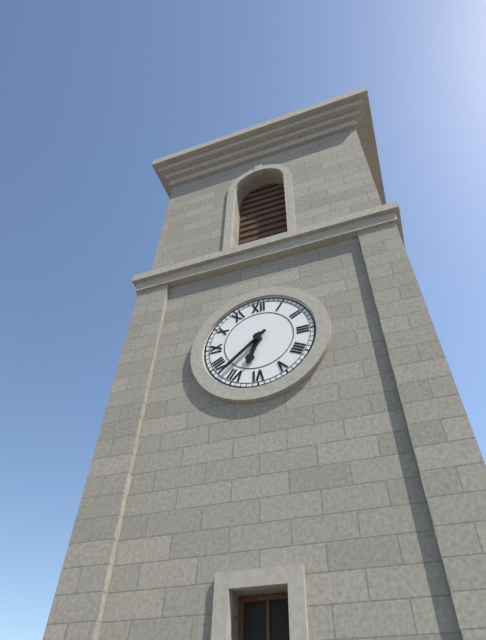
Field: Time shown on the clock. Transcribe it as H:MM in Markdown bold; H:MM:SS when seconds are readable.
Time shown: **6:38**
